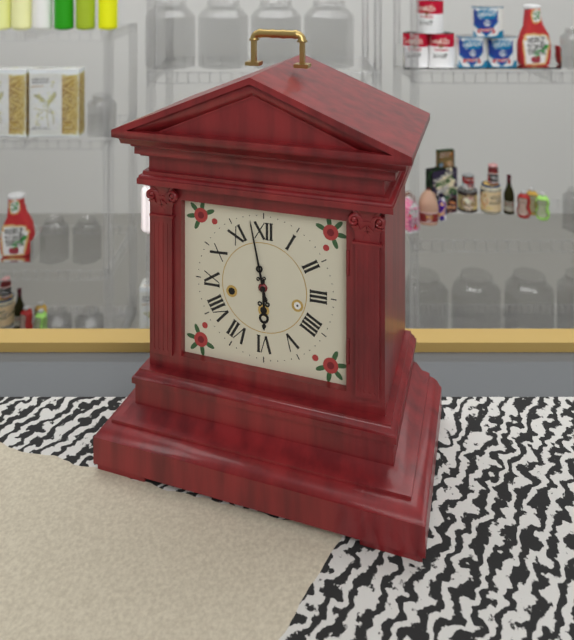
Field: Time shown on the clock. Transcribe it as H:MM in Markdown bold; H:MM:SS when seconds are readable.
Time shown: **5:58**
